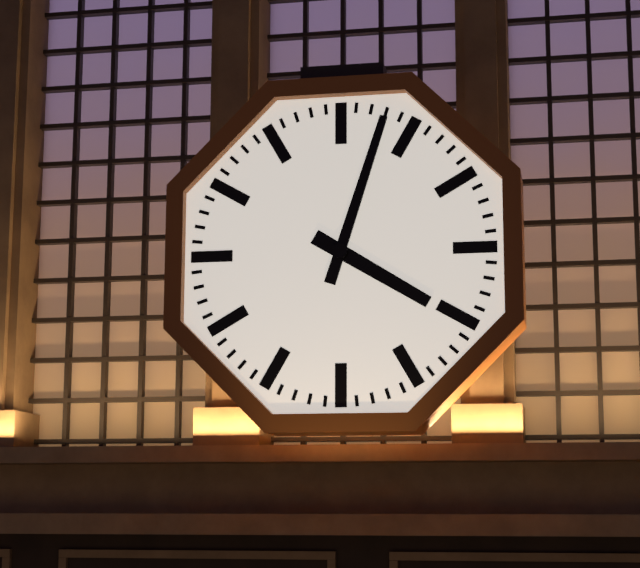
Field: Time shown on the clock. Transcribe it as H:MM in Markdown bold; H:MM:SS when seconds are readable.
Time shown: **4:03**
